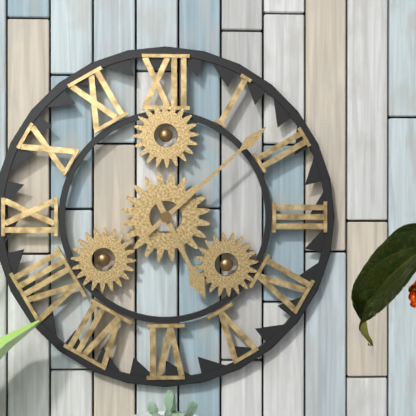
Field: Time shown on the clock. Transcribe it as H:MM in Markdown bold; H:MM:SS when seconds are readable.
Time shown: **5:08**
